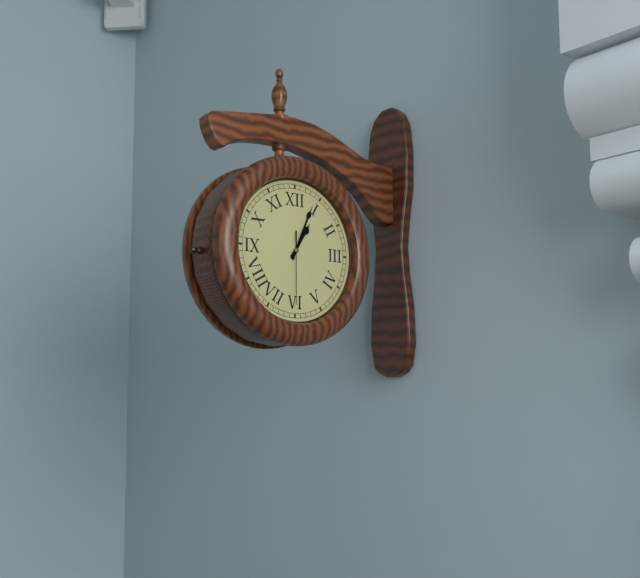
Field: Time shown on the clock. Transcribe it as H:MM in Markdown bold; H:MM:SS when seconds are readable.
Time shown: **1:04:30**
